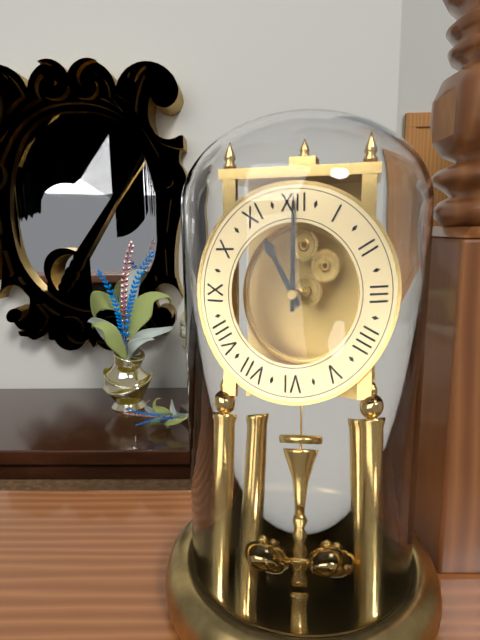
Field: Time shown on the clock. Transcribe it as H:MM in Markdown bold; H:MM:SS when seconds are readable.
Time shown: **11:00**
